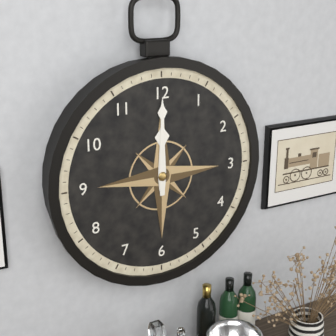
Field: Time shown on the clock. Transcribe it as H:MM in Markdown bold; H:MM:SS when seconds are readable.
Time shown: **12:00**
